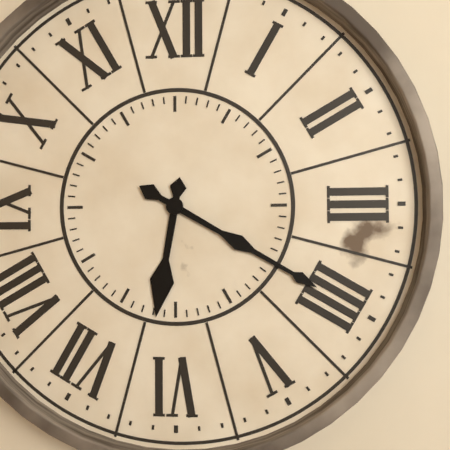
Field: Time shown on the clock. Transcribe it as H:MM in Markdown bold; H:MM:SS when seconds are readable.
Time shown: **6:20**
